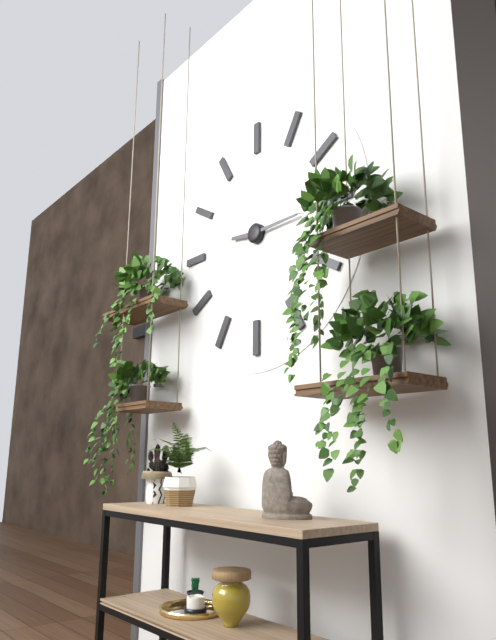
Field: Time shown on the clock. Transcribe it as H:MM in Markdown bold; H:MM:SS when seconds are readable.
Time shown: **9:15**
